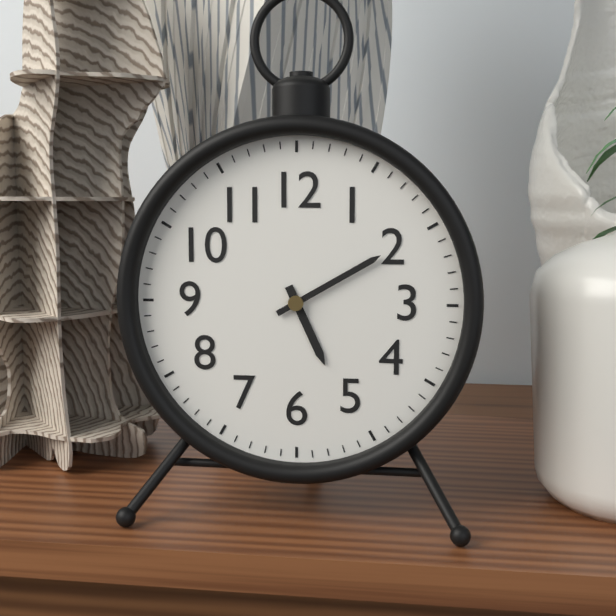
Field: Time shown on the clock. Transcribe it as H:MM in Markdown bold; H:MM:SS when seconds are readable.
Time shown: **5:10**
